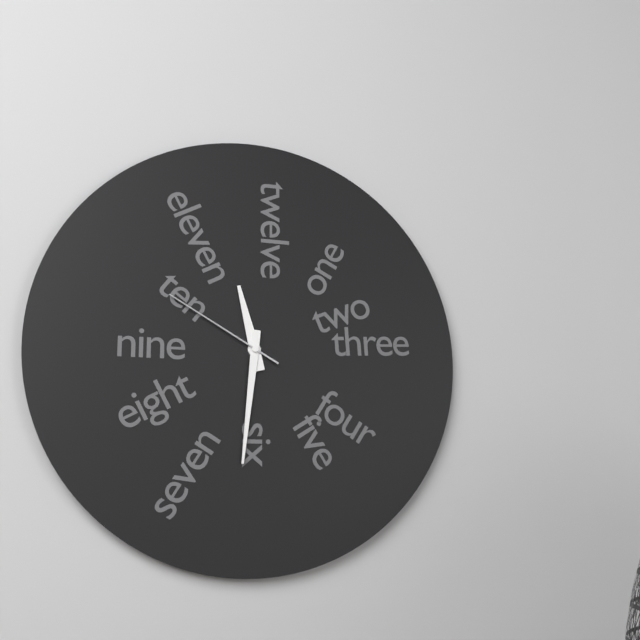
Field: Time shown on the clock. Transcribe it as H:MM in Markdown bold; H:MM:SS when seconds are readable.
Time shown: **11:31:50**
